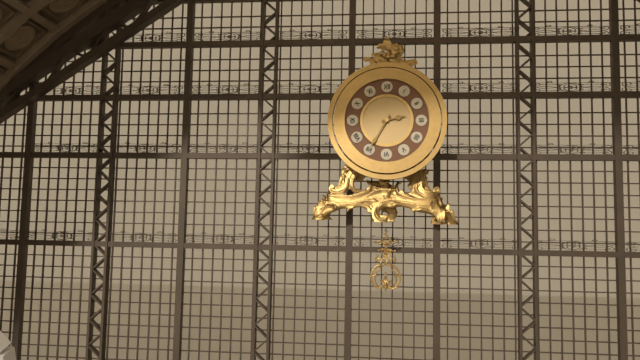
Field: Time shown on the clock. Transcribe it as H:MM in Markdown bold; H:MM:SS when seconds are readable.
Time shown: **2:35**
